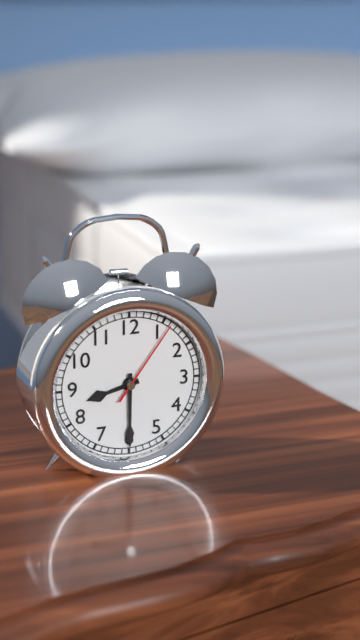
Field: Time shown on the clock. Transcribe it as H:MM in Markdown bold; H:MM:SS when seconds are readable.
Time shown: **8:30:06**
